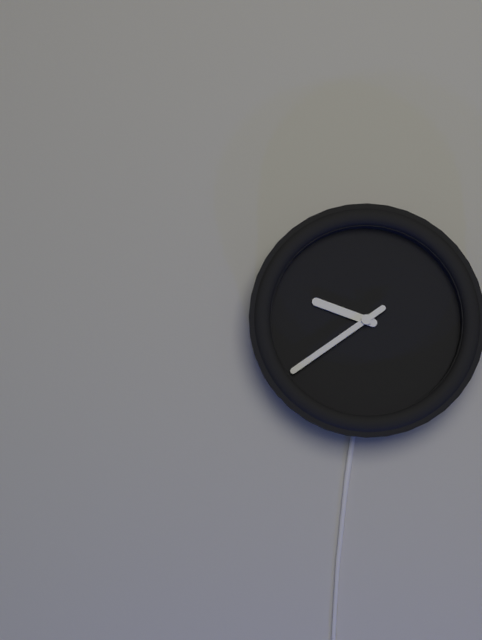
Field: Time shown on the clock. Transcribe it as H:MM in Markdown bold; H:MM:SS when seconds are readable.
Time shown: **9:39**
